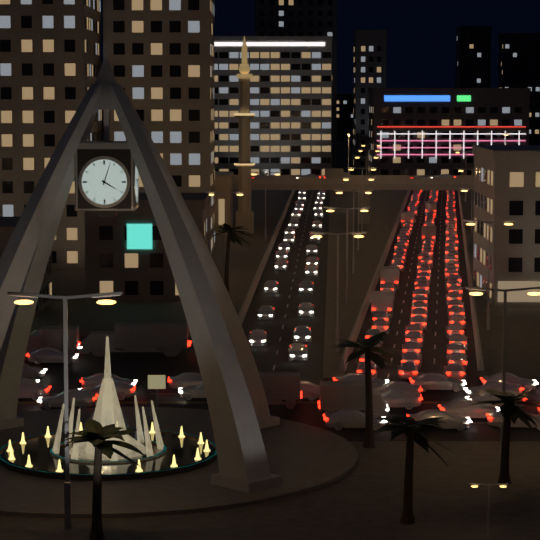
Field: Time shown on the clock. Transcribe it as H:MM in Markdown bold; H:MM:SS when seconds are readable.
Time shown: **4:03**
